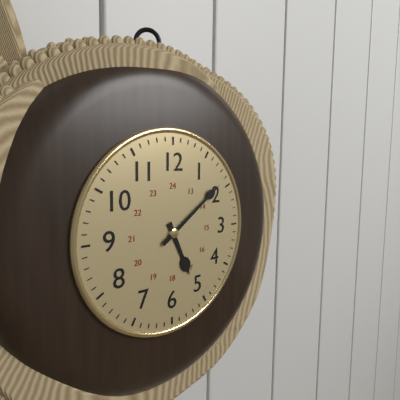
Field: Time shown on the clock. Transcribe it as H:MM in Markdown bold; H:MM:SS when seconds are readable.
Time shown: **5:09**
